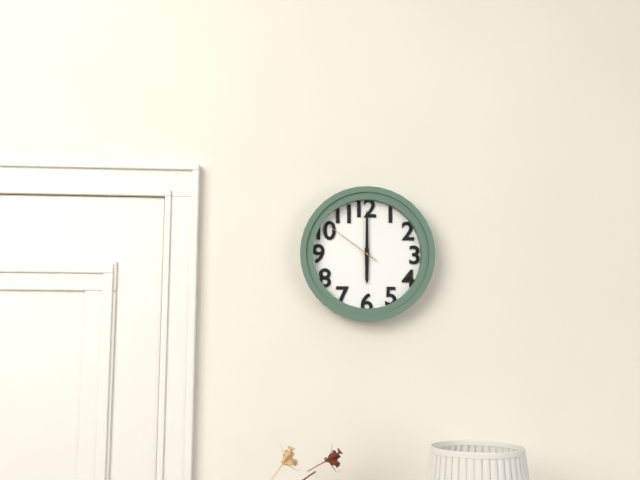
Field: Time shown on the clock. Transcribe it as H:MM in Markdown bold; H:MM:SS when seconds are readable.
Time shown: **6:00:51**
